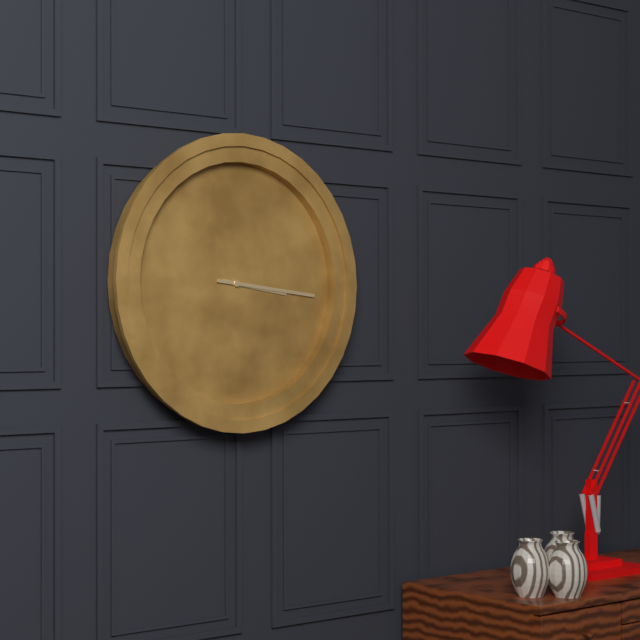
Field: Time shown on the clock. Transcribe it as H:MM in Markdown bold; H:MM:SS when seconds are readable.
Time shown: **3:16**
